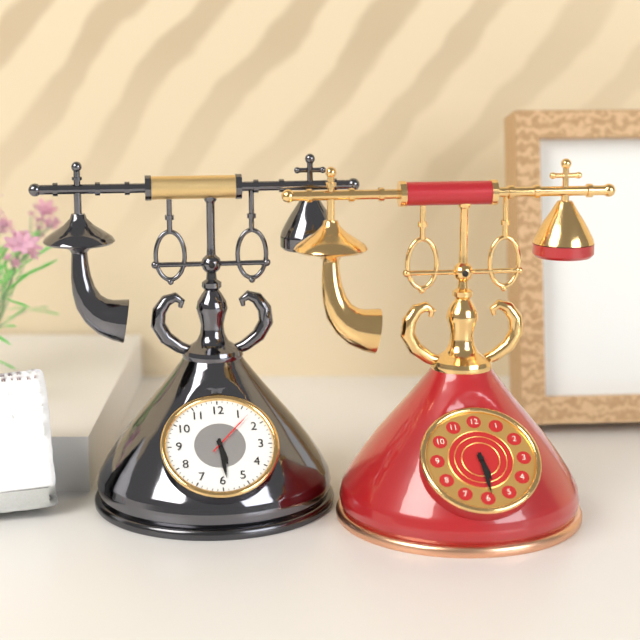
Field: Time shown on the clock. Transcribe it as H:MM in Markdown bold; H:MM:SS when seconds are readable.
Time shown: **5:29:07**
